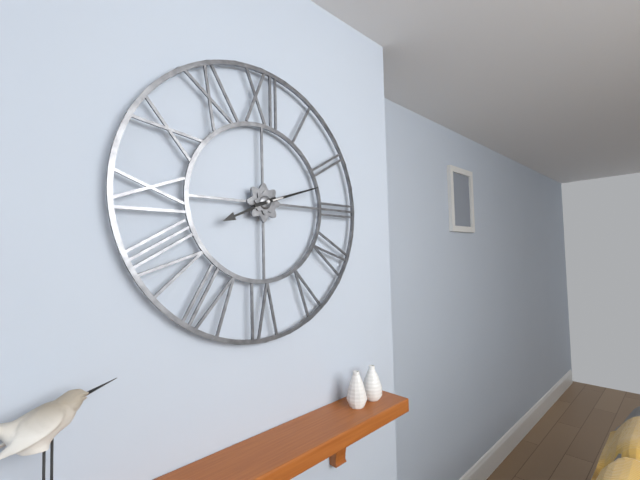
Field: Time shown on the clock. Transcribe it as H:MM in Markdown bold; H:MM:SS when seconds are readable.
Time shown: **8:12**
